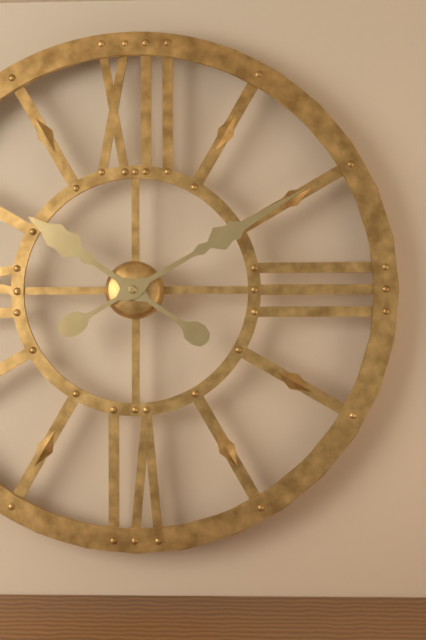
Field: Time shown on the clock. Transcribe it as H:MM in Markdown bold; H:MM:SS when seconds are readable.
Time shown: **10:10**
